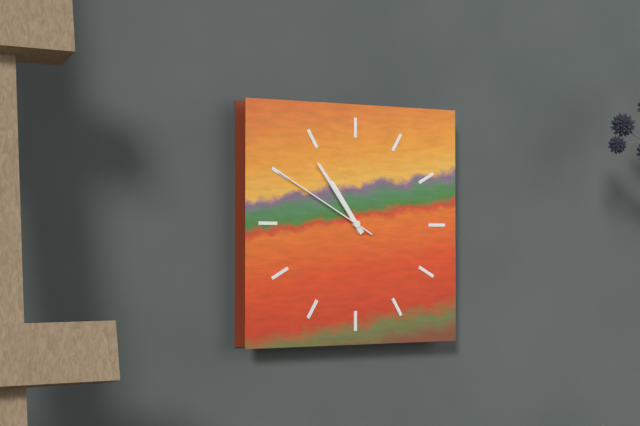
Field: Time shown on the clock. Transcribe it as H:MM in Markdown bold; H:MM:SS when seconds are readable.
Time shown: **10:54:50**
